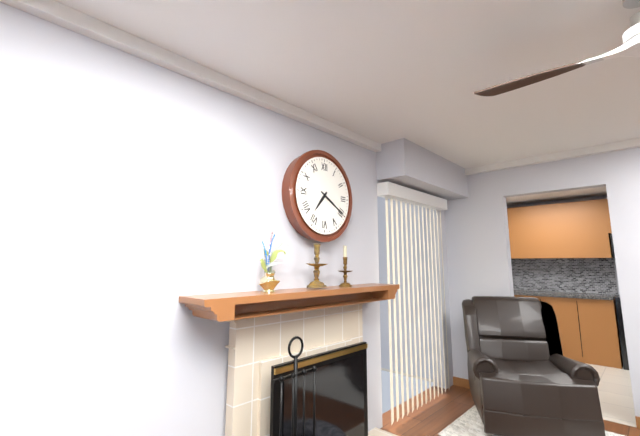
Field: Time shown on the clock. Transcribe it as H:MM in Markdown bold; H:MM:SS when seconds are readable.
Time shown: **7:20**
